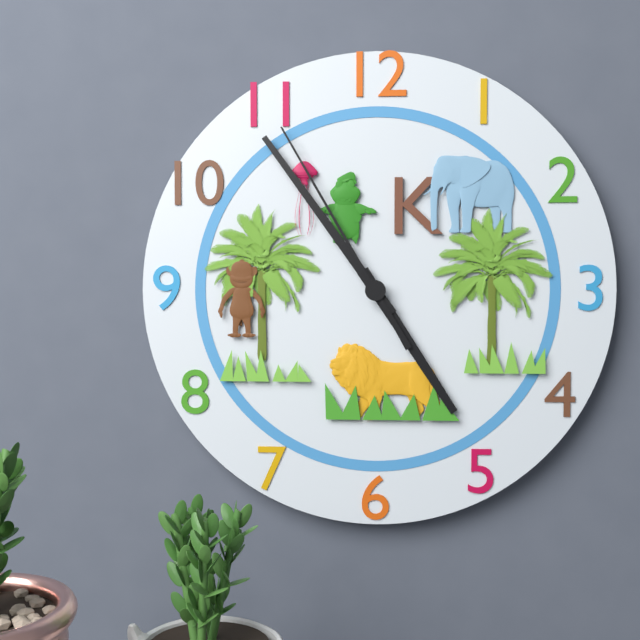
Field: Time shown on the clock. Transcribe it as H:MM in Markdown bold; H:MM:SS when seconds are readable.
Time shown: **4:54:55**
